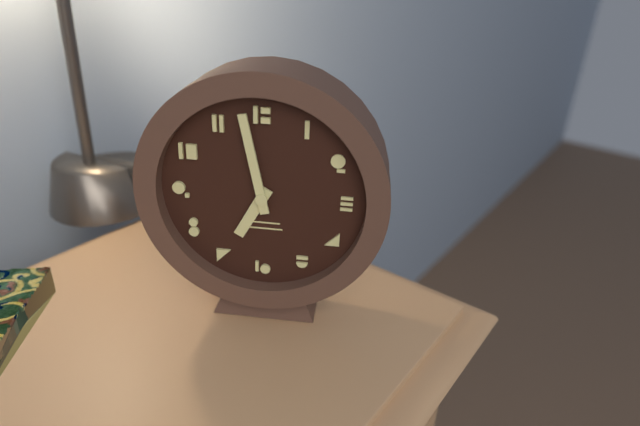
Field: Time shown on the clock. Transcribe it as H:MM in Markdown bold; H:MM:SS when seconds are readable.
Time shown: **6:58**
